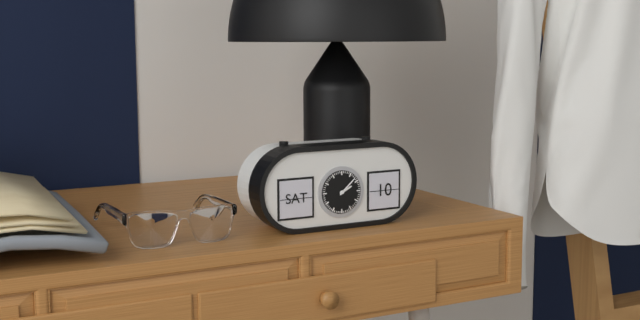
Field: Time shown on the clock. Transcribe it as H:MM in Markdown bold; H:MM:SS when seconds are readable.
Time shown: **2:08**
